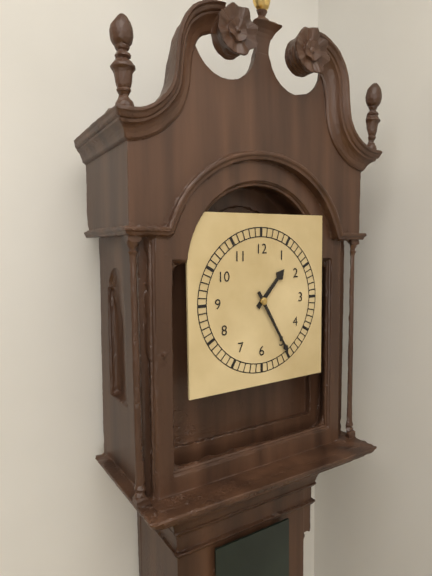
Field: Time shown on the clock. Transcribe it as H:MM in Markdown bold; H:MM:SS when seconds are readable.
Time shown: **1:25**
